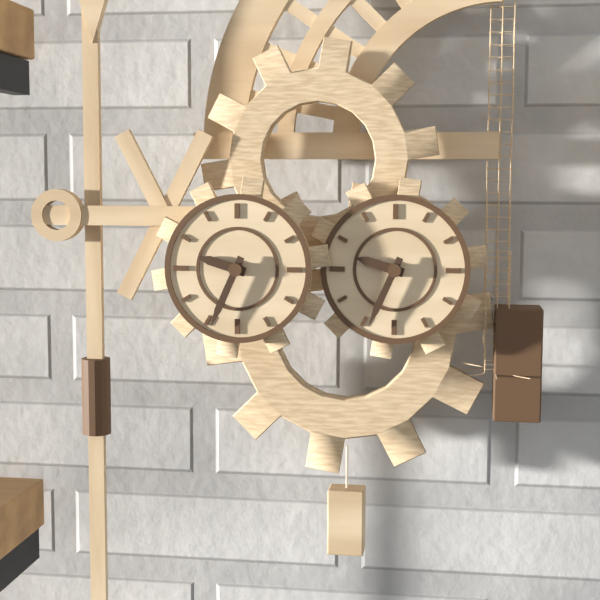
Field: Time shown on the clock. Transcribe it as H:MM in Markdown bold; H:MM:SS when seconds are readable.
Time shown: **9:34**
